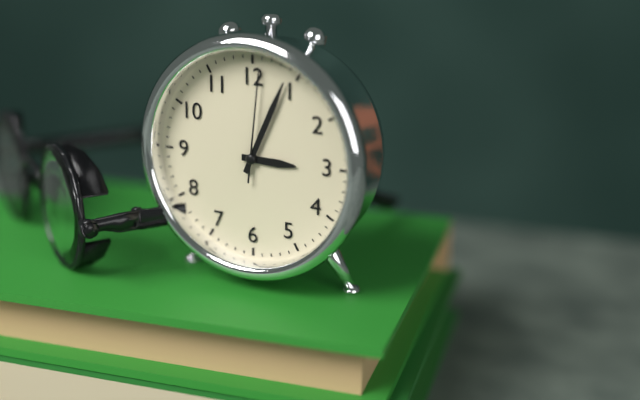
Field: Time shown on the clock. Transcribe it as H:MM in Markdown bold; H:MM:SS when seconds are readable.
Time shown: **3:04:01**
